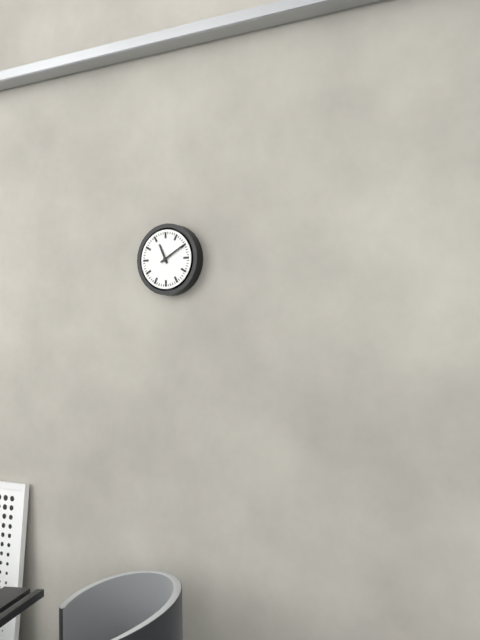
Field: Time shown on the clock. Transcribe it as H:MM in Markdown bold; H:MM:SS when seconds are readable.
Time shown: **11:10**
